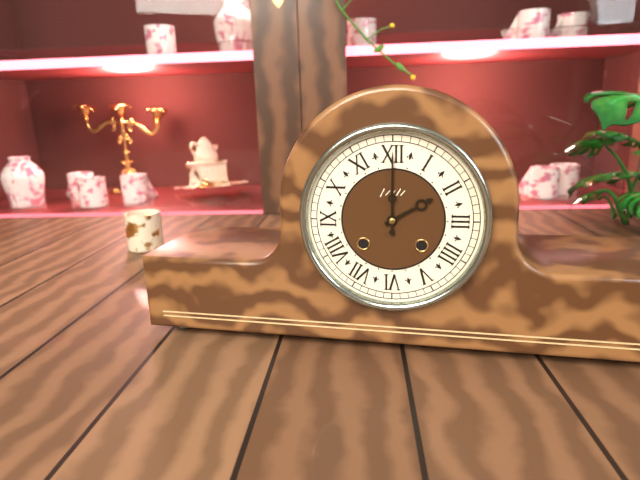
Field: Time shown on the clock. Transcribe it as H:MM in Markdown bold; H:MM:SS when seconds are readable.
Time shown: **2:00**
